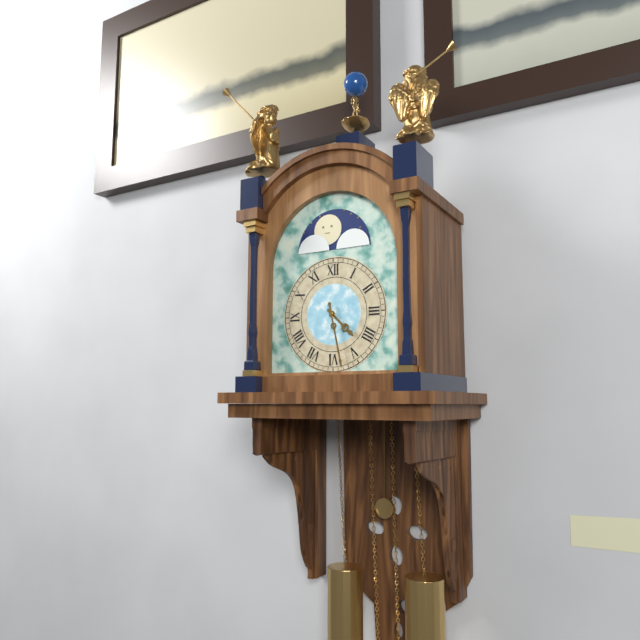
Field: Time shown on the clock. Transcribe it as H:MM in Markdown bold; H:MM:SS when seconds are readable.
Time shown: **4:28**
